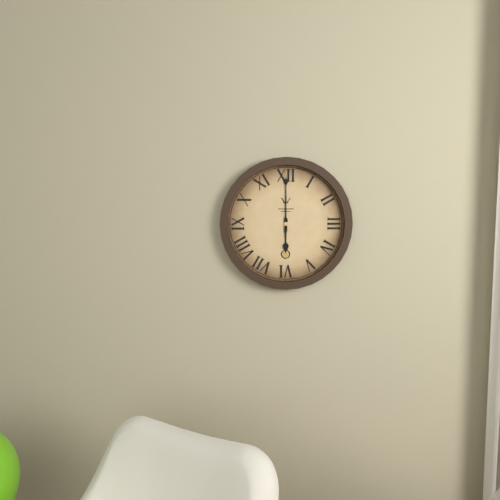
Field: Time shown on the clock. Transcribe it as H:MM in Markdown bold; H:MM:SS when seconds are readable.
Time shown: **6:00**
